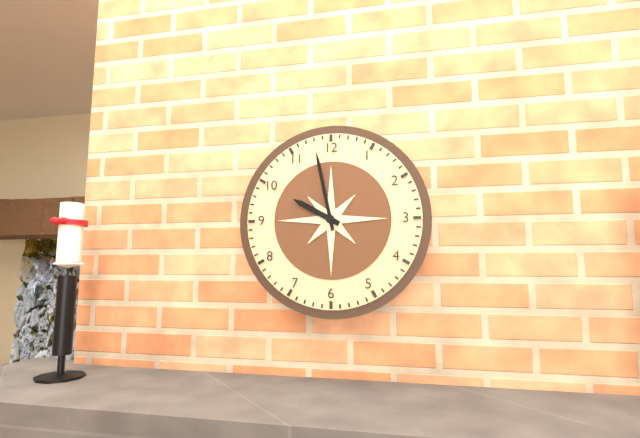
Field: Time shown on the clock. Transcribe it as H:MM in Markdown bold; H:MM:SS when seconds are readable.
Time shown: **9:58**
